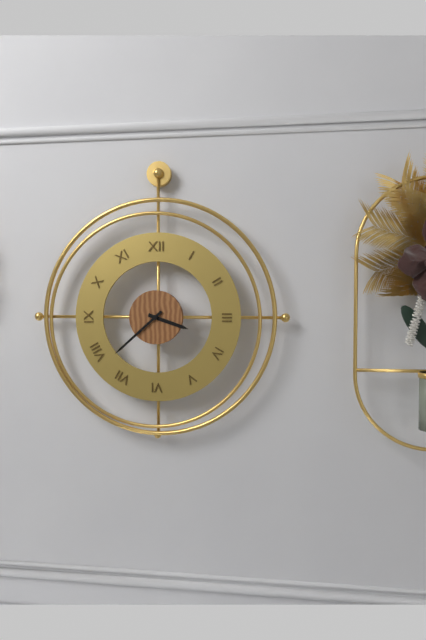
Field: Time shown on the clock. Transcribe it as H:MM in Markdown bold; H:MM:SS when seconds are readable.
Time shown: **3:38**
